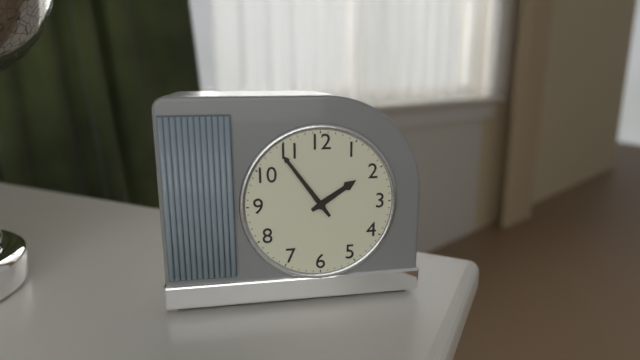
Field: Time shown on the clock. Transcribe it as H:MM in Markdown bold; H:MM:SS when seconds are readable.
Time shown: **1:54**
